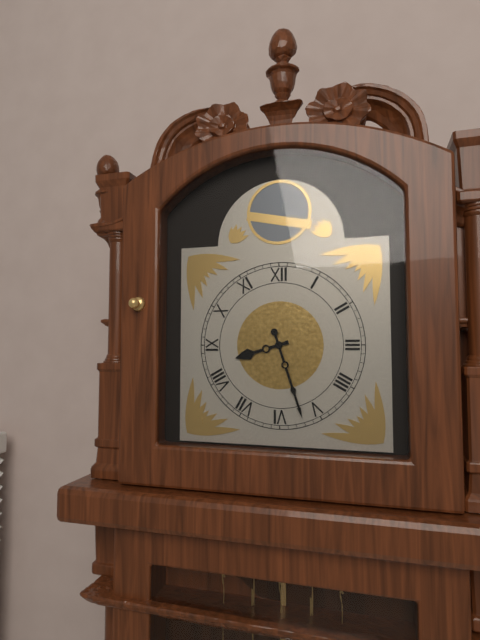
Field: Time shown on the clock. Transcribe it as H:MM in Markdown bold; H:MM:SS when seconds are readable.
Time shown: **8:27**
